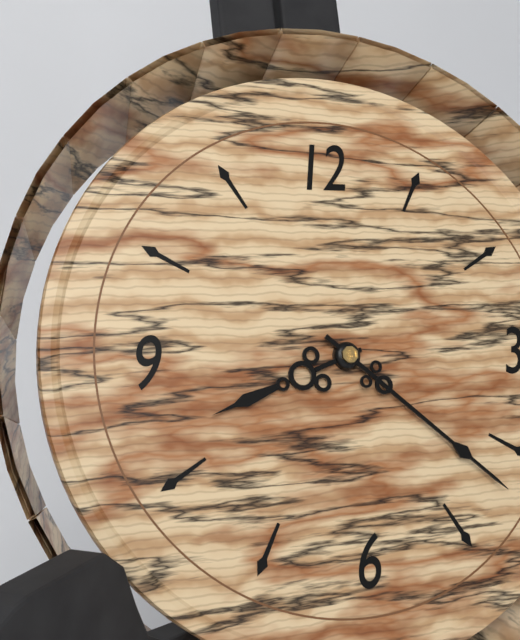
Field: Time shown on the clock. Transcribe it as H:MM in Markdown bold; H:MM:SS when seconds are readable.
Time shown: **8:22**
